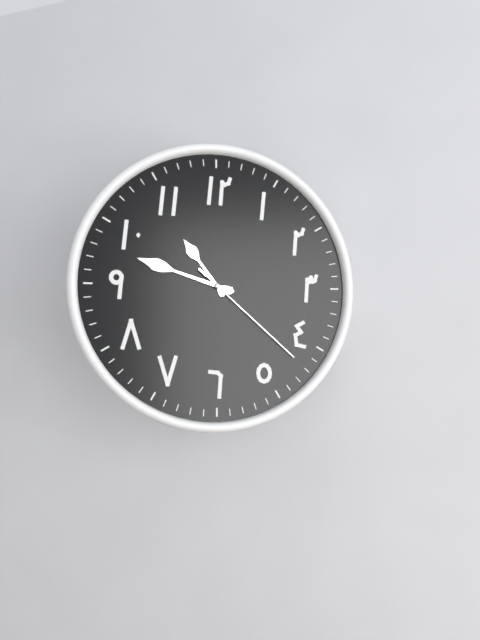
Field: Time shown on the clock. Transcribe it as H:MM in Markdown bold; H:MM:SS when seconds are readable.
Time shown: **10:48:22**
